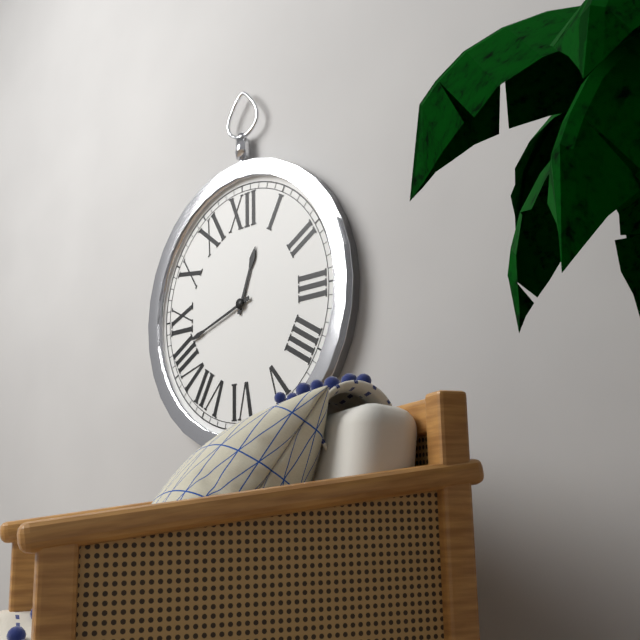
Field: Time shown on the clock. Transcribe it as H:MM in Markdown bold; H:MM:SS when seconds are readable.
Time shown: **12:42**
